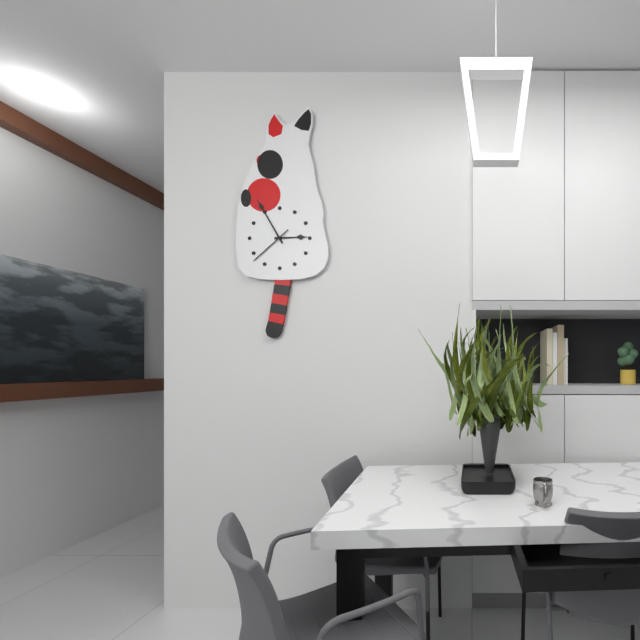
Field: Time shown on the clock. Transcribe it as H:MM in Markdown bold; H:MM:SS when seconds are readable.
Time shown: **2:55**
